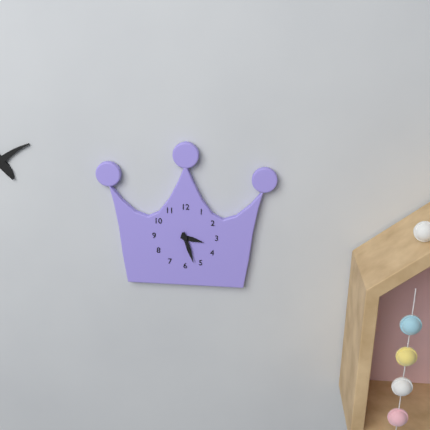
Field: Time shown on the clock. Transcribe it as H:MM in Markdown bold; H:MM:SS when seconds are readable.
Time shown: **3:27**
